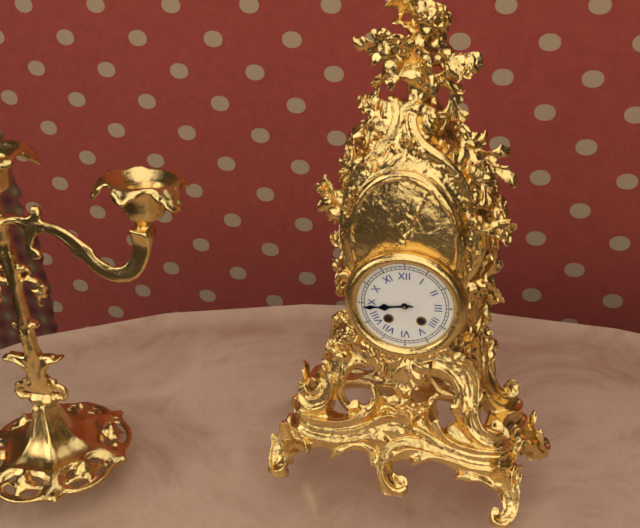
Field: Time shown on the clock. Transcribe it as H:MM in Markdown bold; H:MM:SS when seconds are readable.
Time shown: **8:44**
